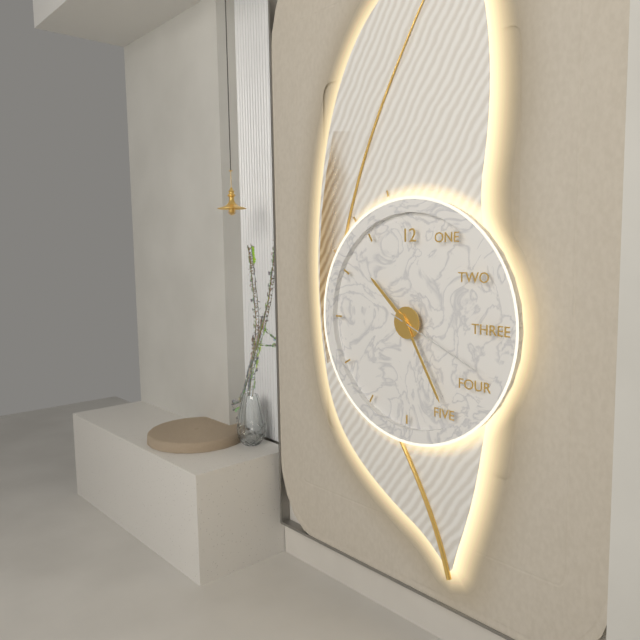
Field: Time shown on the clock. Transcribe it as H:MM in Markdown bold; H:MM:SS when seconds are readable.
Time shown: **10:25:19**
